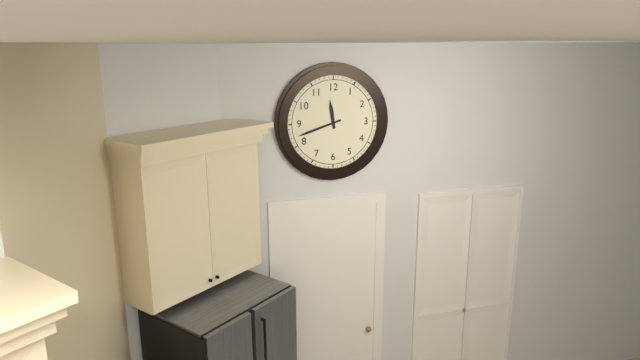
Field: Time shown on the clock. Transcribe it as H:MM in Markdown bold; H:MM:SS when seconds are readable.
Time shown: **11:42**
